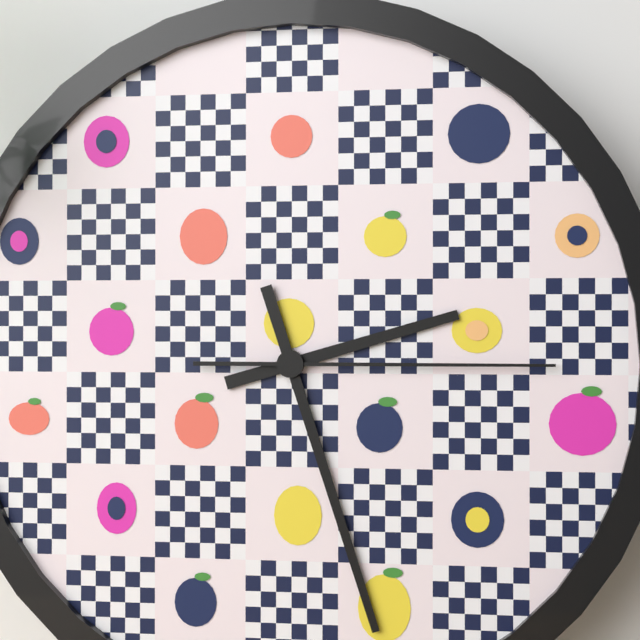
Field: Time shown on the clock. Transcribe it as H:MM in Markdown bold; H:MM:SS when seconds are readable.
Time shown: **2:27:15**
